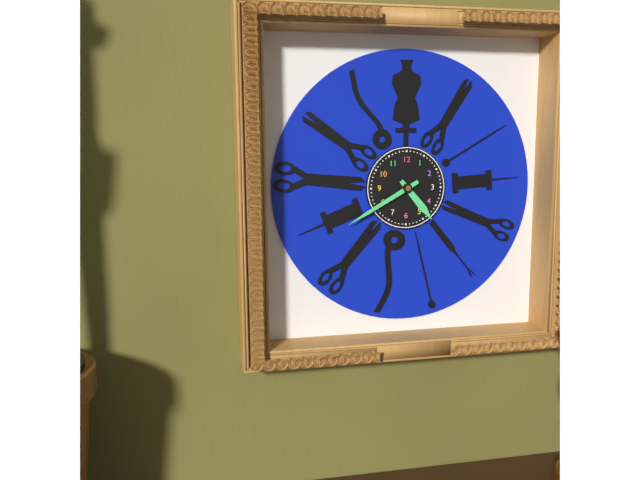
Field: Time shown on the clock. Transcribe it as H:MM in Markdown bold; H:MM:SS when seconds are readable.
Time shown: **4:40**
